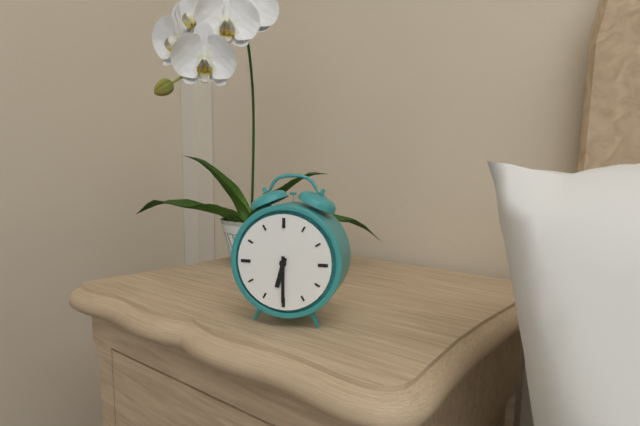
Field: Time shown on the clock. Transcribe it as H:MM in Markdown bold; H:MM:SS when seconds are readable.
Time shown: **6:30**
